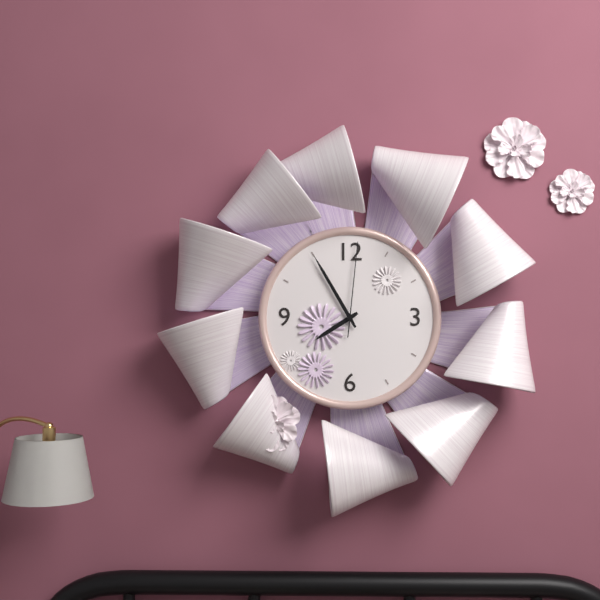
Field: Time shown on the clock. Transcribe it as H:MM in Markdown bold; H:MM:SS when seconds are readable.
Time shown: **7:55:01**
